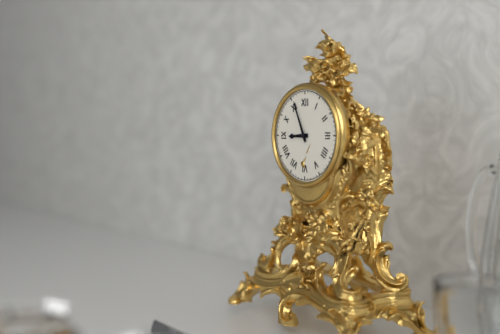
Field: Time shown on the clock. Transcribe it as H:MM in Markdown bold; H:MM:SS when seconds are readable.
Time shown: **8:56**
